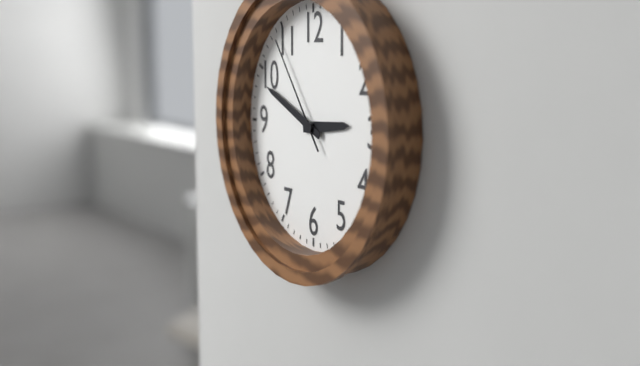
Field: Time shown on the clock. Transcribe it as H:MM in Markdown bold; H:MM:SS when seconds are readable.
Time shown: **2:49:54**
